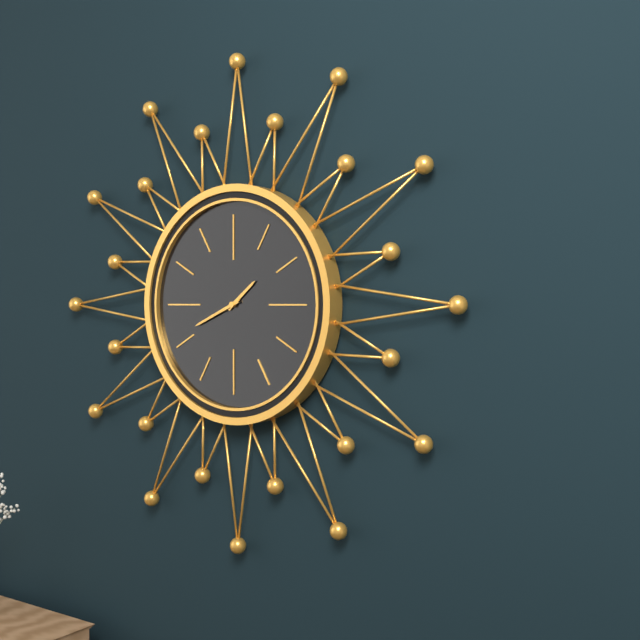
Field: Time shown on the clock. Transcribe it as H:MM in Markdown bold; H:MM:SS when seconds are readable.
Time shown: **1:41**
